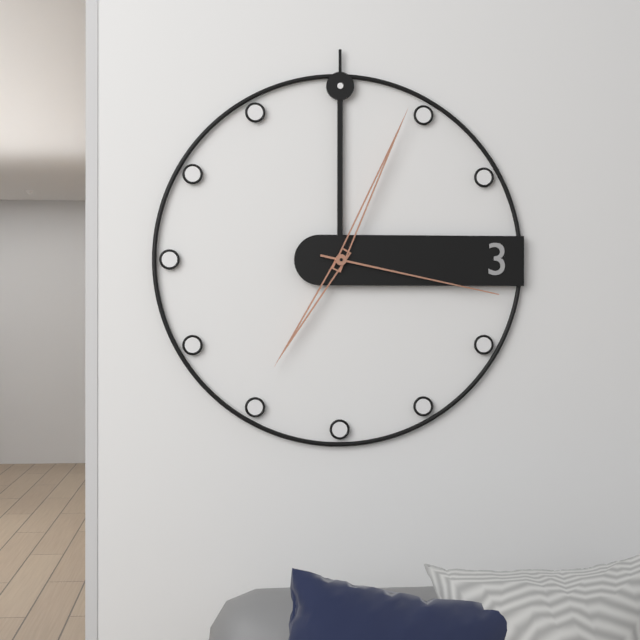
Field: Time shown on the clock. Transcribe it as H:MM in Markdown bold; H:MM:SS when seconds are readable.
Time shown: **7:04:17**
